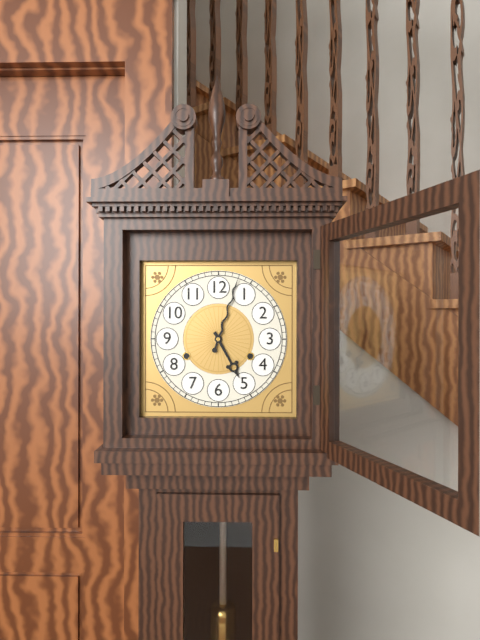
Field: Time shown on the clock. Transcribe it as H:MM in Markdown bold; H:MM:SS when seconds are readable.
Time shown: **5:03**
